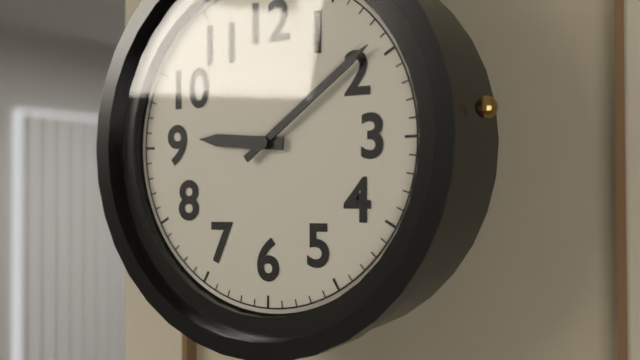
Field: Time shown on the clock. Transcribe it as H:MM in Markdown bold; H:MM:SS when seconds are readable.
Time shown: **9:09**
